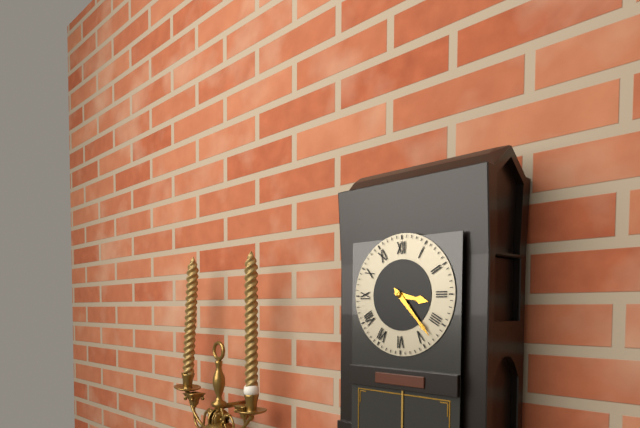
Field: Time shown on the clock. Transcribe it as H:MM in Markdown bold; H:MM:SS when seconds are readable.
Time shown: **3:23**
